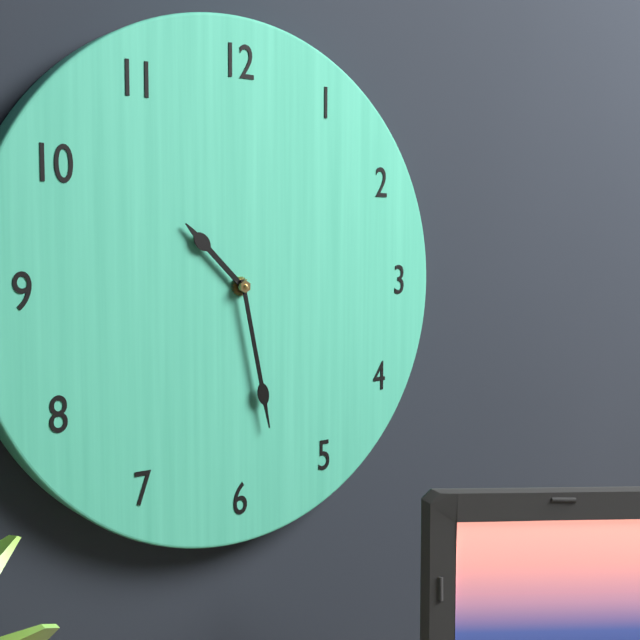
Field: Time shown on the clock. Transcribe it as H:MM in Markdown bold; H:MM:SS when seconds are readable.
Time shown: **10:28**
